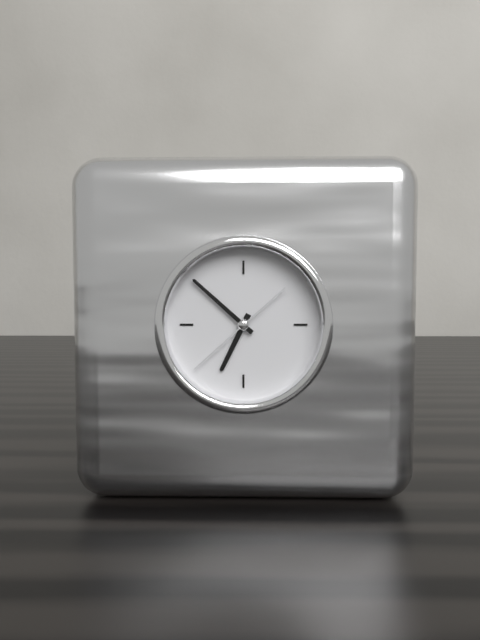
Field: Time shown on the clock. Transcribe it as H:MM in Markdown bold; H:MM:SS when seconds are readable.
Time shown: **6:52:38**
